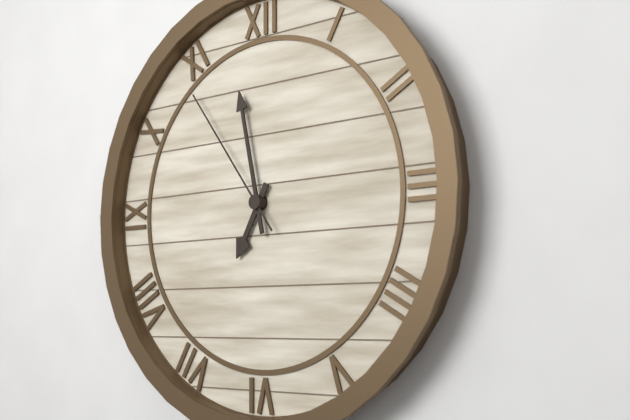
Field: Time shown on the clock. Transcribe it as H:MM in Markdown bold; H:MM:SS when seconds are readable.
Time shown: **6:58:54**
